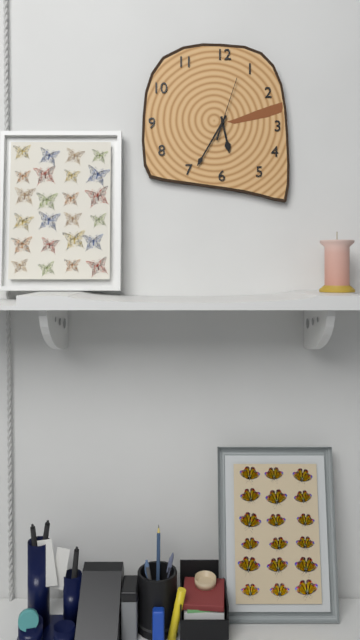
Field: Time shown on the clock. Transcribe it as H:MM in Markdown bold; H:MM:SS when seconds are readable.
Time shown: **5:35:03**
